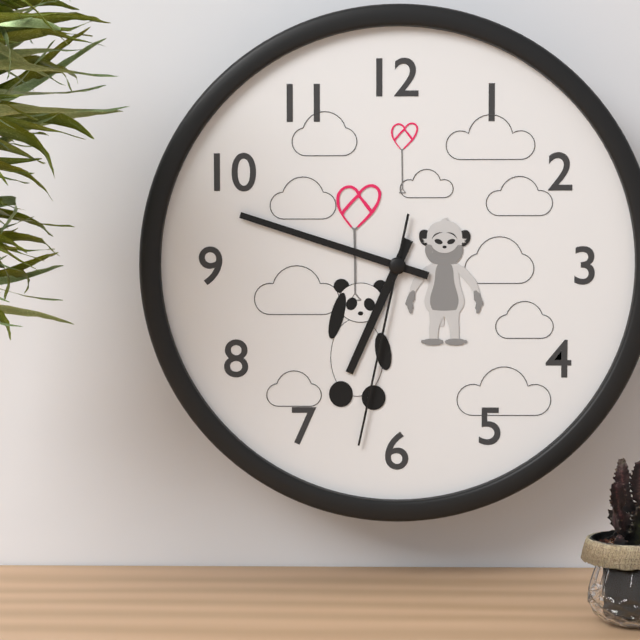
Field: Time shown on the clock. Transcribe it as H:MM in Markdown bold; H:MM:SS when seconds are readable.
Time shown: **6:48:32**
